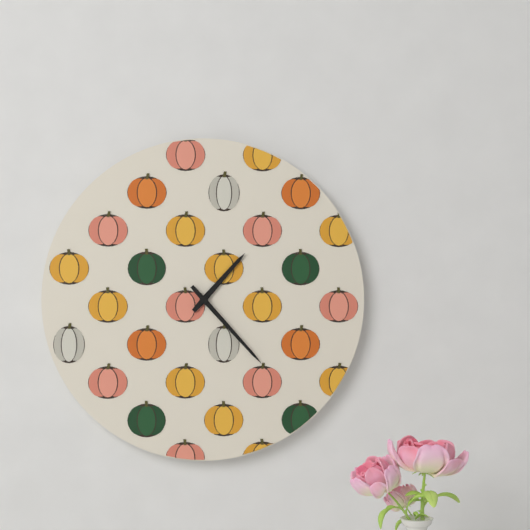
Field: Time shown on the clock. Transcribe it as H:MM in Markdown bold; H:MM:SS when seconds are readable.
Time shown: **1:23**
